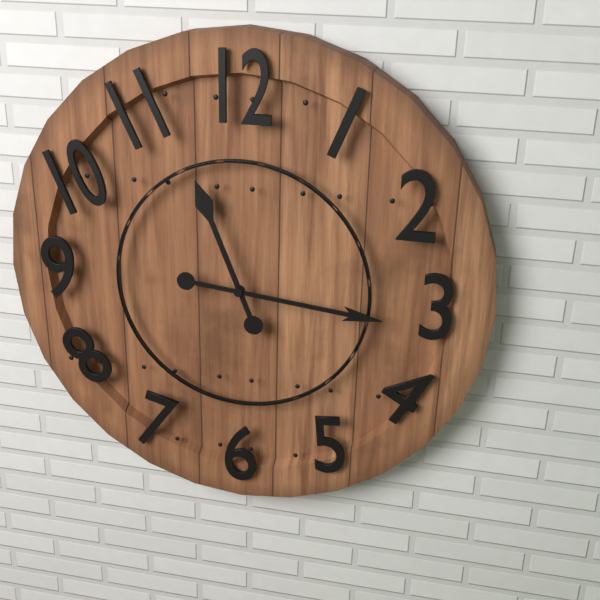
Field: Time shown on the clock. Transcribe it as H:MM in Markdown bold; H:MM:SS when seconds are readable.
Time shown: **11:16**
